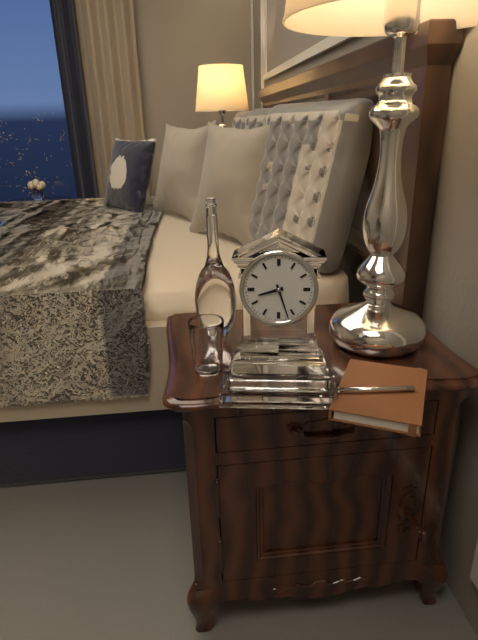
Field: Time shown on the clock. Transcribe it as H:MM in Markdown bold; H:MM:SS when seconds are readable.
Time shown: **8:27**
